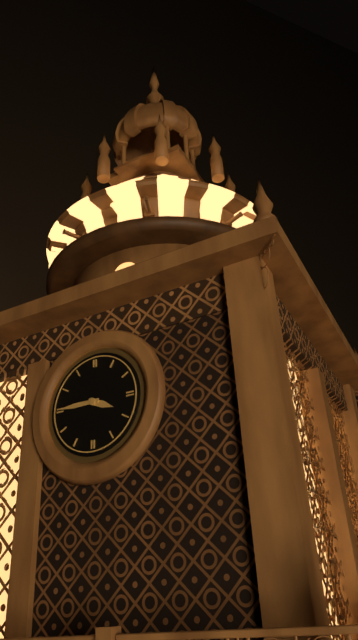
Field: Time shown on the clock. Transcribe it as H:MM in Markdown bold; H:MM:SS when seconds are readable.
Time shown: **3:45**
